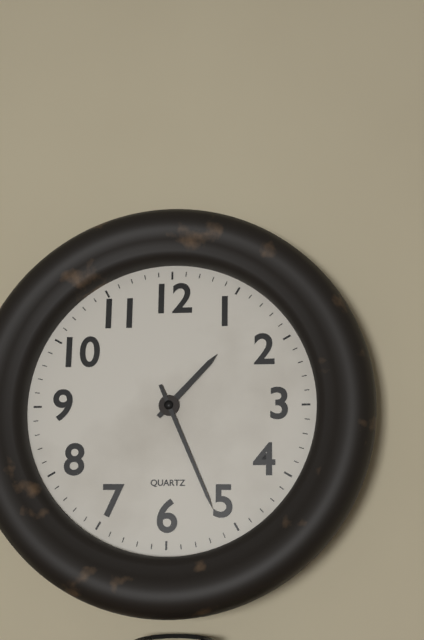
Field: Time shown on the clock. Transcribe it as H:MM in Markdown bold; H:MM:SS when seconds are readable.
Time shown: **1:26**
